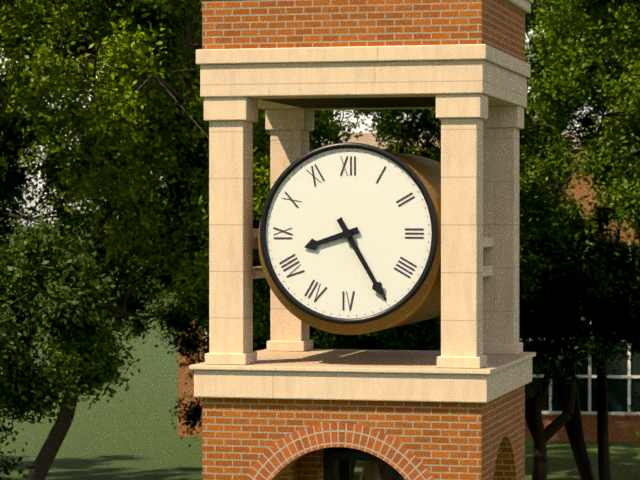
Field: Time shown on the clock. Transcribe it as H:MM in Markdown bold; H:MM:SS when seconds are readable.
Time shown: **8:25**
